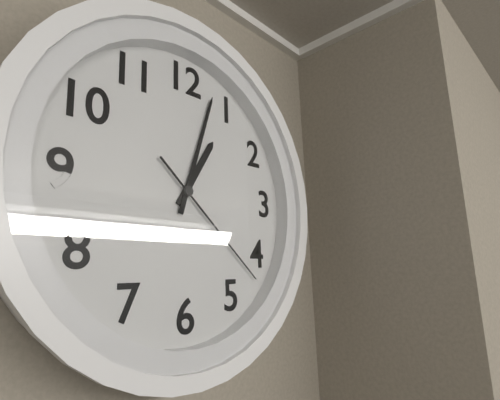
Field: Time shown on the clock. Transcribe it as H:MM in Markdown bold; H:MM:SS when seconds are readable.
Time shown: **1:03:22**
